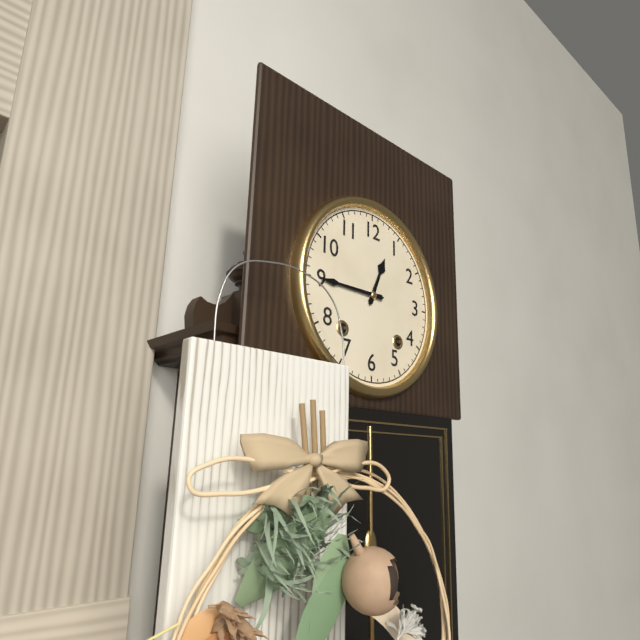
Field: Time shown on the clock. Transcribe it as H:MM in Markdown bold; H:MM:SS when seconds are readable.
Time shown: **12:45**
